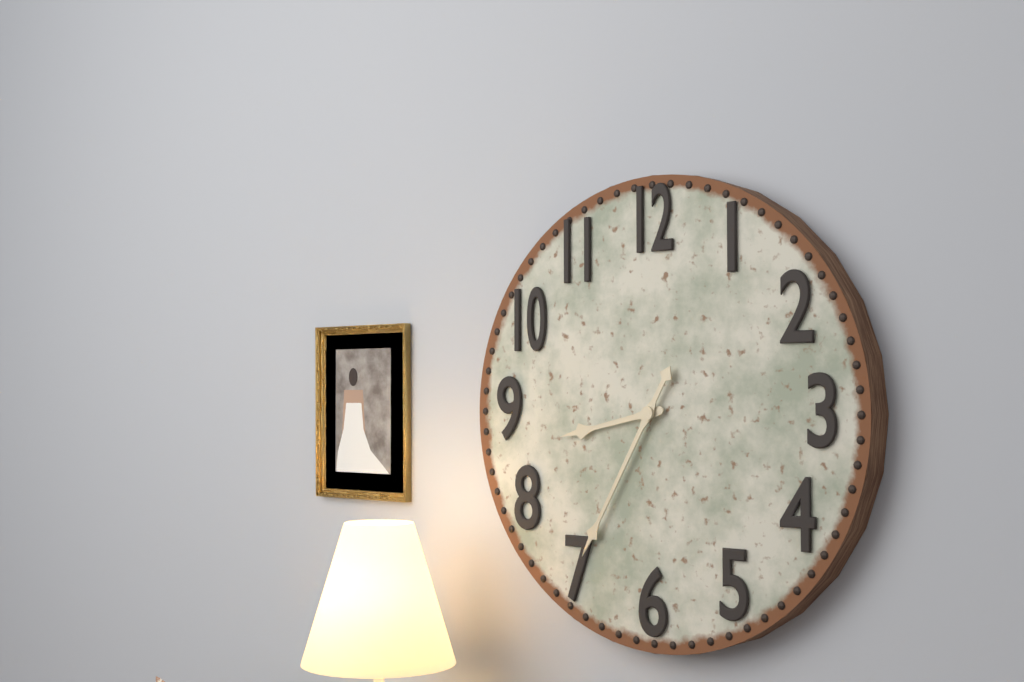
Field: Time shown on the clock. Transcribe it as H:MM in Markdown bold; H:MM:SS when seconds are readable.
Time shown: **8:35**
